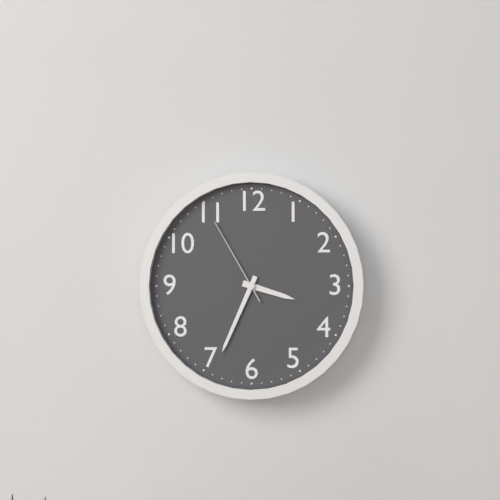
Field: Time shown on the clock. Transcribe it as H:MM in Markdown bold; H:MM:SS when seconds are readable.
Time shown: **3:34:55**
